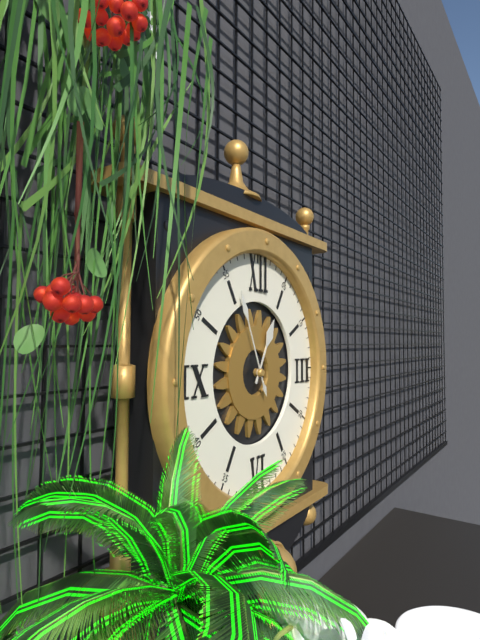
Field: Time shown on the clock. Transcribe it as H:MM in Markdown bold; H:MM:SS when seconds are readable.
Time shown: **12:56**
